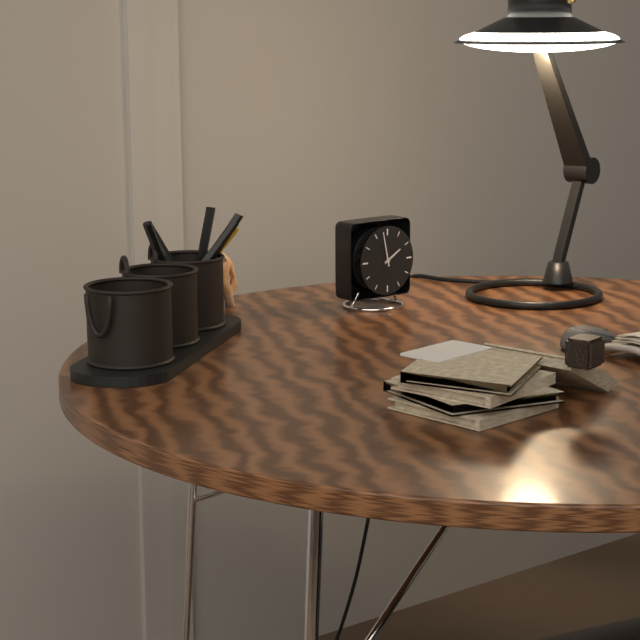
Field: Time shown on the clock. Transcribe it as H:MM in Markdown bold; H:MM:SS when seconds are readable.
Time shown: **1:58**
